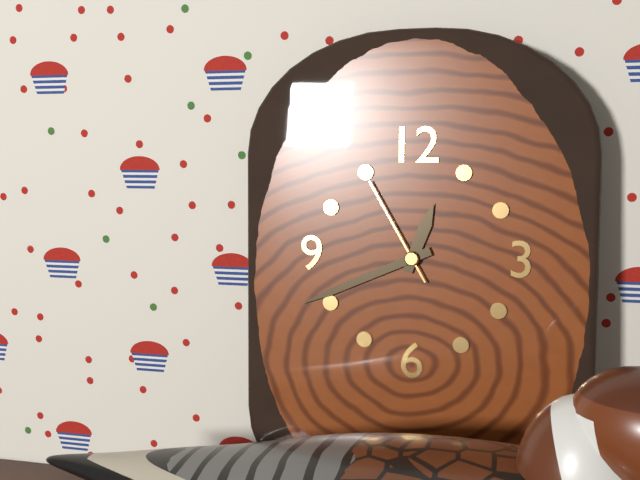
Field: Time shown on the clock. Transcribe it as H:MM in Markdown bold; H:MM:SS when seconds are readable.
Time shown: **12:41:55**
